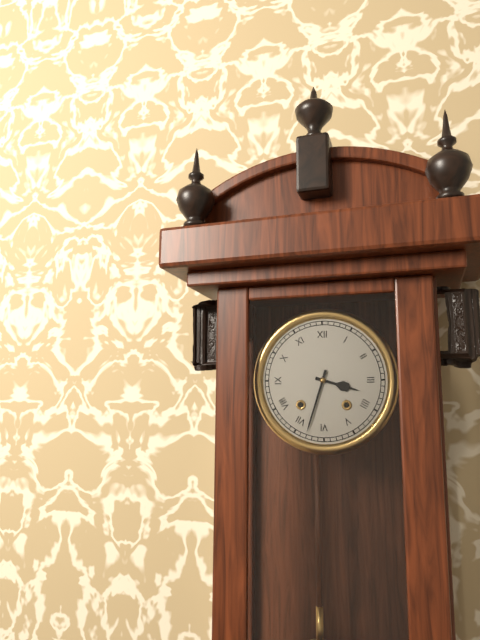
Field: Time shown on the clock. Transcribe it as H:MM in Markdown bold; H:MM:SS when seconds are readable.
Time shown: **3:33**
